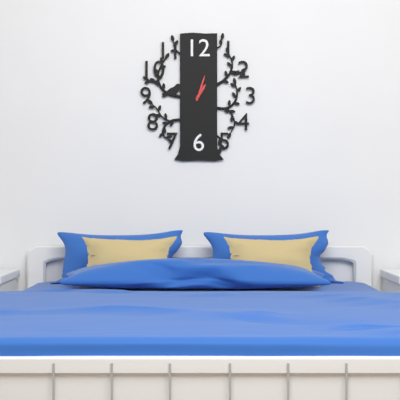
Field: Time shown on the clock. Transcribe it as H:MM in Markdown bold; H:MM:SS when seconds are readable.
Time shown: **1:03**
